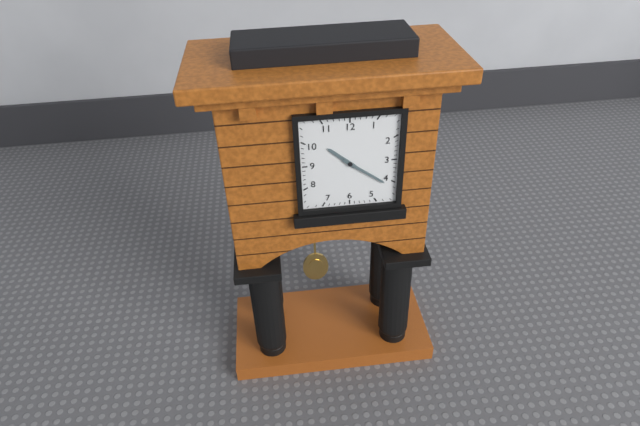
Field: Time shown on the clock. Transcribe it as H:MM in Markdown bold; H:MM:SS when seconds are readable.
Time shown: **10:21**
